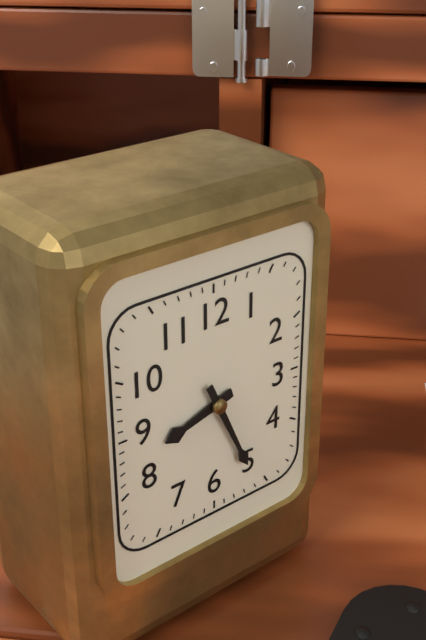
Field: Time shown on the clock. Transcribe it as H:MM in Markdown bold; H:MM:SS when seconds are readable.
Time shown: **8:26**
